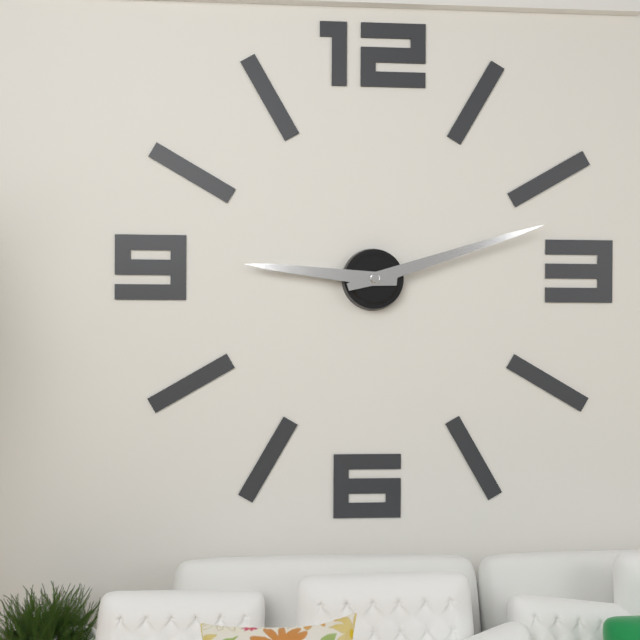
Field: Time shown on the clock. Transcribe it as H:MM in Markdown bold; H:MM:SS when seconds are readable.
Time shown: **9:12**
